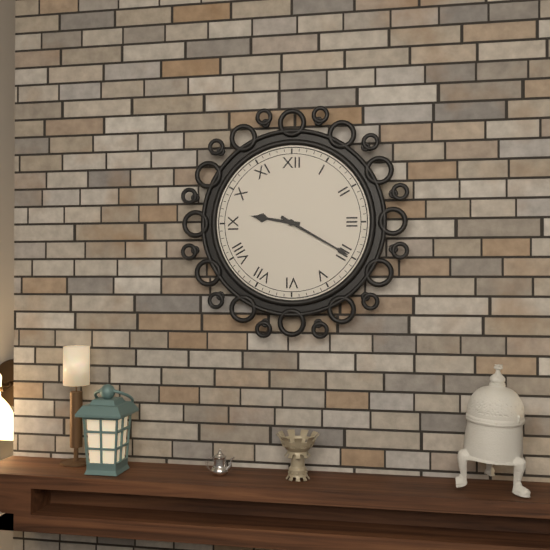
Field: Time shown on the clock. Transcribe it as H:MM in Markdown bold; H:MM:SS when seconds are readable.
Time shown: **9:20**
